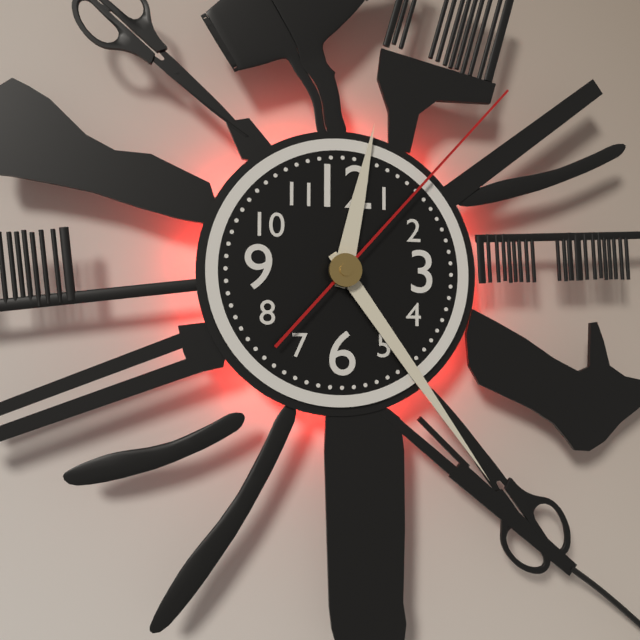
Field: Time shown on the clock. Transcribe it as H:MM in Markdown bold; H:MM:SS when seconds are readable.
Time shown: **12:24:07**
